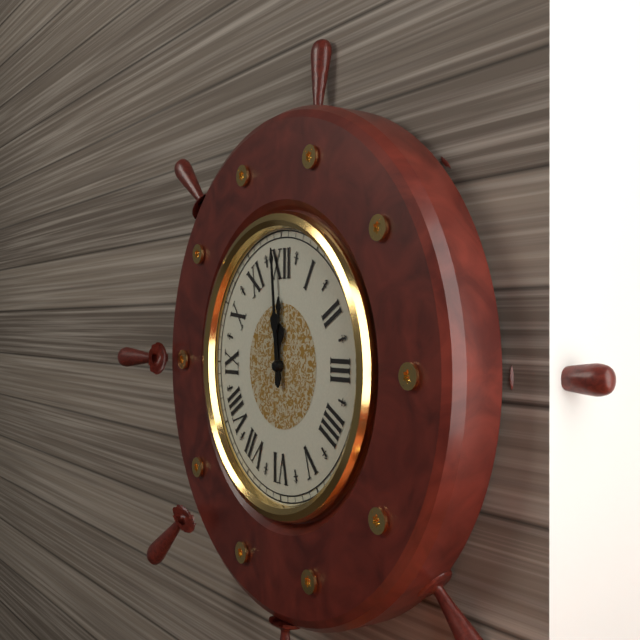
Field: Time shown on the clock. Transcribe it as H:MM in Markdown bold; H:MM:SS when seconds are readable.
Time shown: **11:59**
